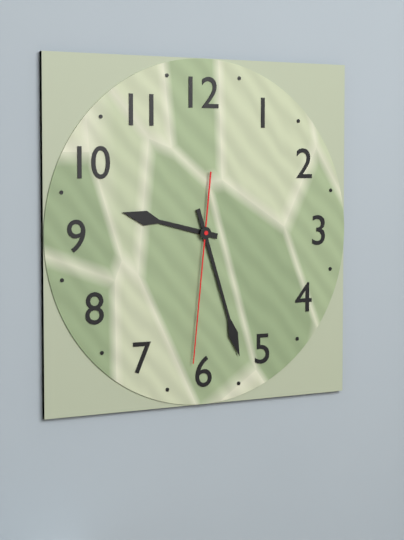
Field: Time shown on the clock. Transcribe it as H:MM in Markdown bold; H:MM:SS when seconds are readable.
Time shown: **9:27:31**
